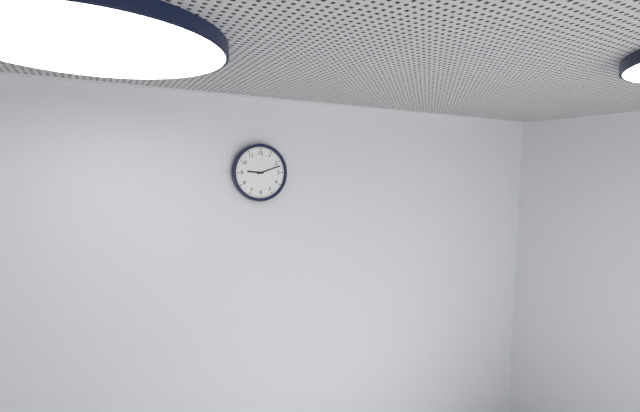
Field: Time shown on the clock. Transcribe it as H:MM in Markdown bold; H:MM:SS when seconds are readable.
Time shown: **9:12**
